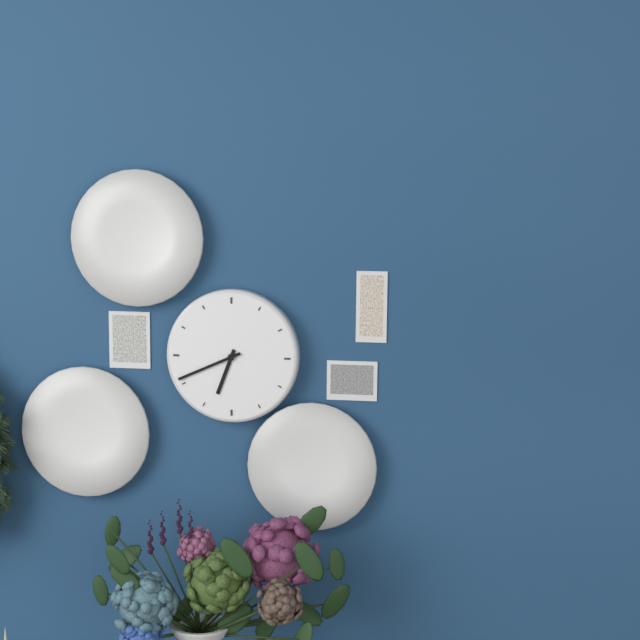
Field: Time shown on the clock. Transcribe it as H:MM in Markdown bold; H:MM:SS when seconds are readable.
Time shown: **6:41**
